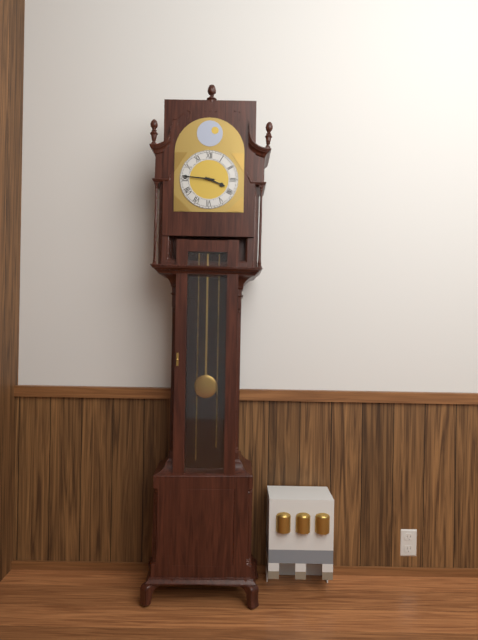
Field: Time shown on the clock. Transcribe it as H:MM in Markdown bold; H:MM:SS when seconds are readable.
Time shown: **3:46**
